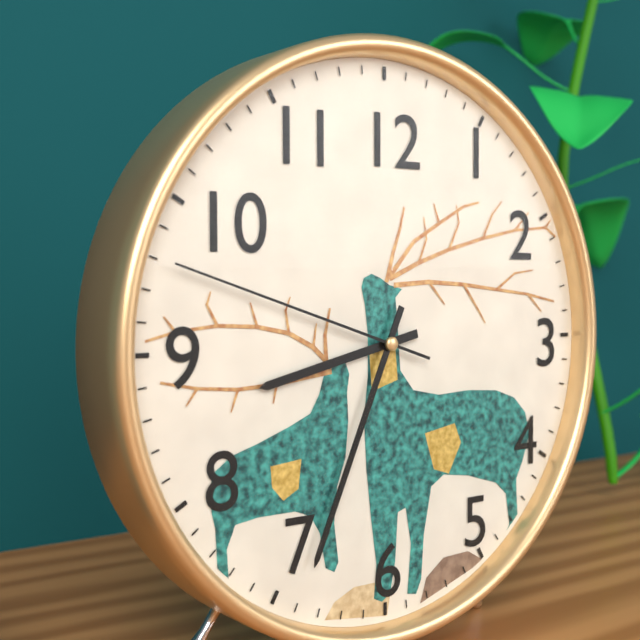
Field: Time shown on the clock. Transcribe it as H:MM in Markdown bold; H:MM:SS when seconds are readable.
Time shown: **8:34:48**
